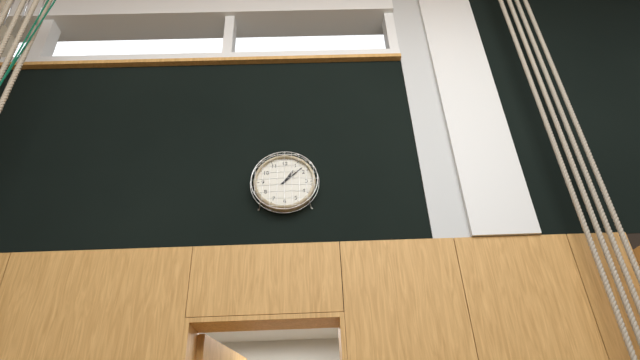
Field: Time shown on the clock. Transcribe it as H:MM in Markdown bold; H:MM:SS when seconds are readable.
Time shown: **1:08**
